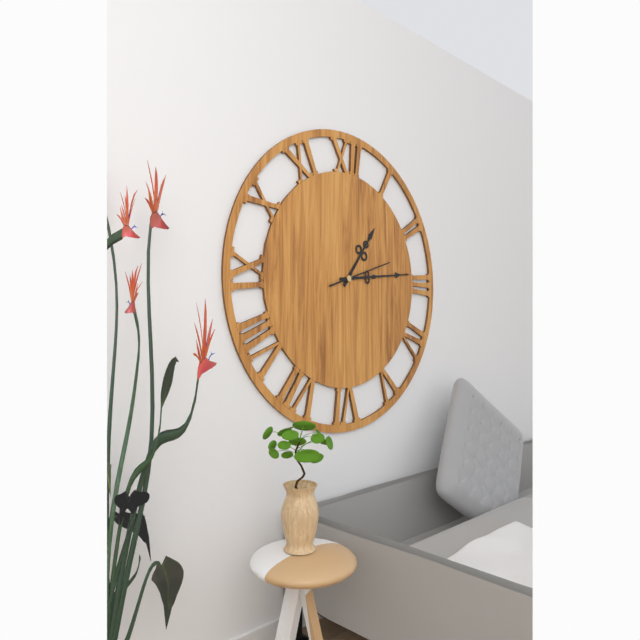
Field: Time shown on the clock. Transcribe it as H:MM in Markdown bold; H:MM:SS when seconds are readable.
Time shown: **1:14:12**
